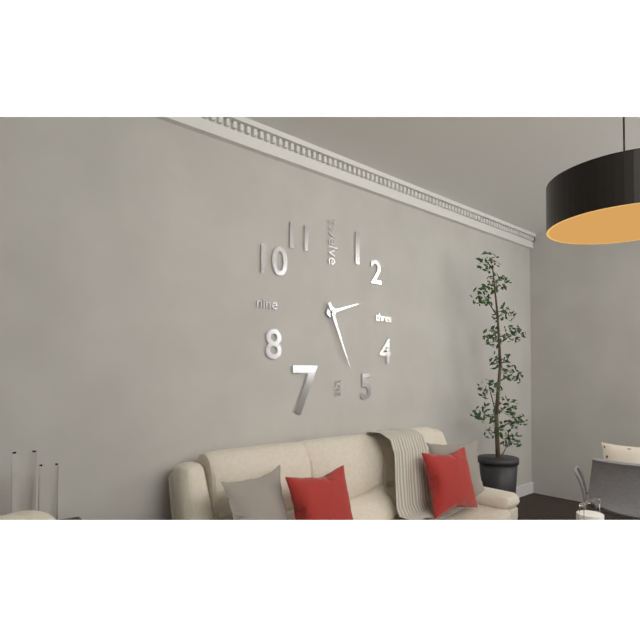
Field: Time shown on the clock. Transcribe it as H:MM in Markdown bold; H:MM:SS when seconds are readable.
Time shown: **2:26**
